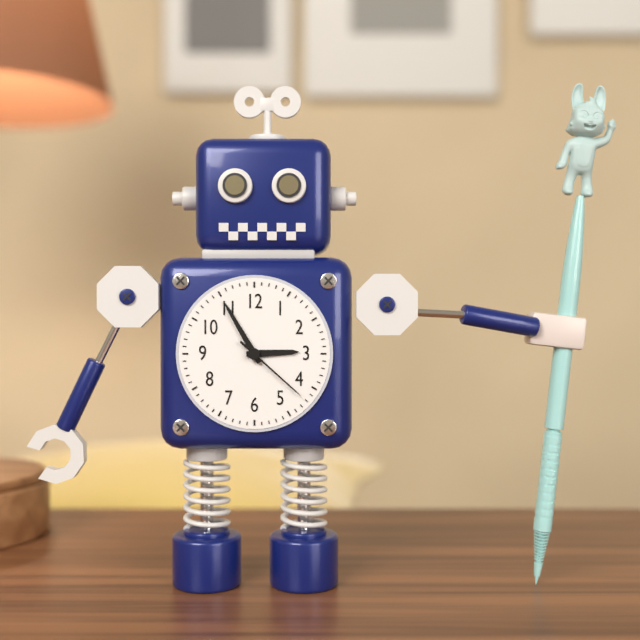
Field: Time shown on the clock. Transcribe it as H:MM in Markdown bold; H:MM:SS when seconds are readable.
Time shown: **2:55:22**
